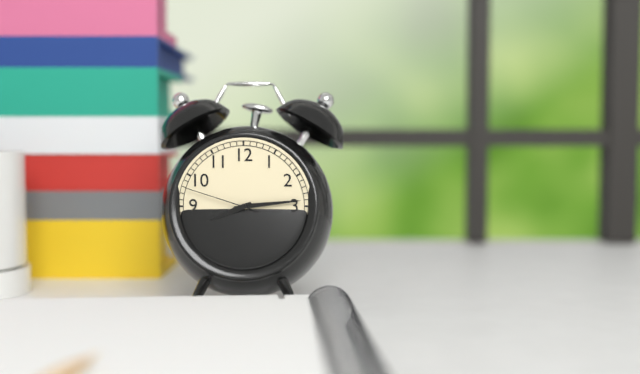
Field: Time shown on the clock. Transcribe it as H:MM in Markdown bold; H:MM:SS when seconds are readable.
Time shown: **8:14:48**
